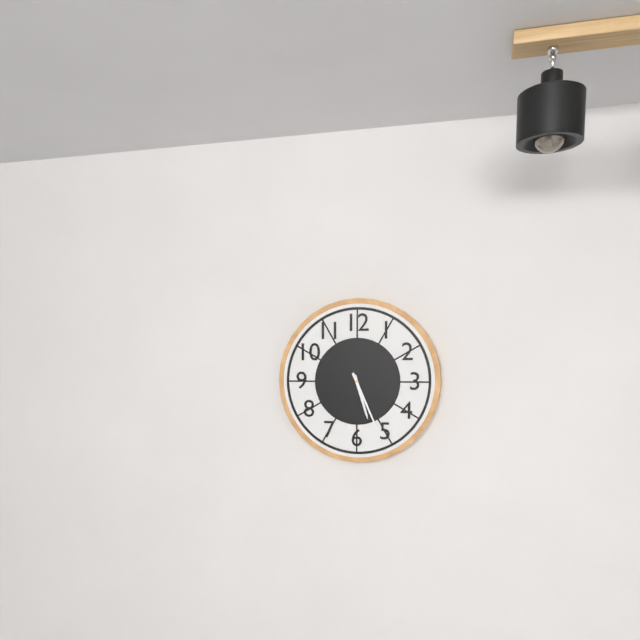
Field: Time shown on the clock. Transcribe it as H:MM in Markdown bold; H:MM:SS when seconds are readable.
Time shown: **5:26**
